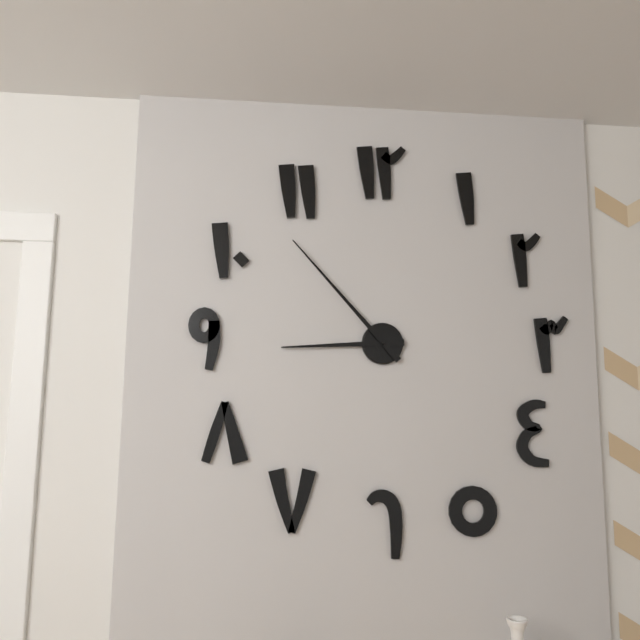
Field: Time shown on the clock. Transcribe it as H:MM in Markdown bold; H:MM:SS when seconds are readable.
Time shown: **8:53**
